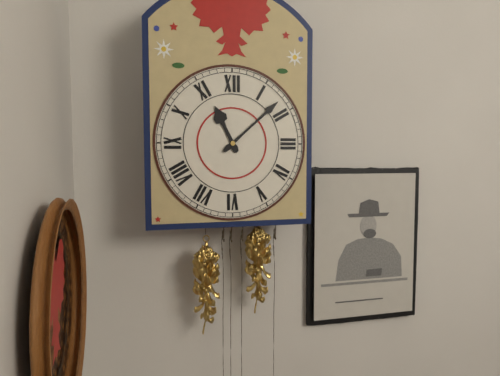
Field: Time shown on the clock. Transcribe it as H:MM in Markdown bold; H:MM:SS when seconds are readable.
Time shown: **11:08**
